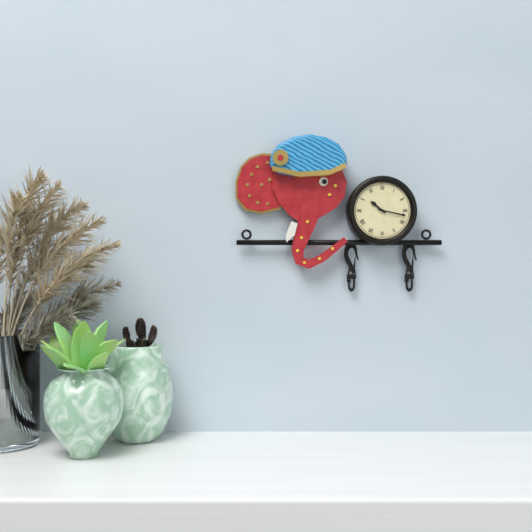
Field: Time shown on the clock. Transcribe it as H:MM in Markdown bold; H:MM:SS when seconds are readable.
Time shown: **10:17**
